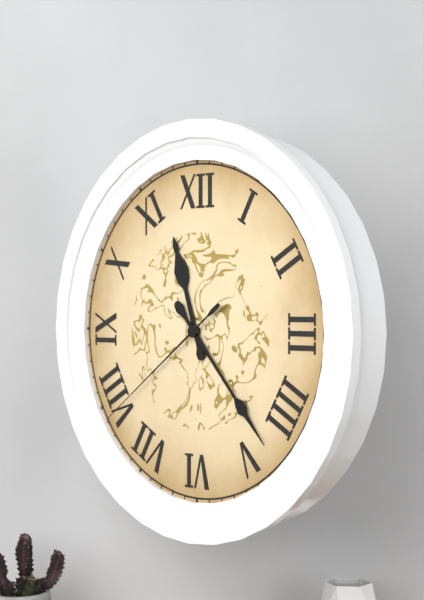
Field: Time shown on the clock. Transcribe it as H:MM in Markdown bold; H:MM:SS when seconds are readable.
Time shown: **11:23:39**
